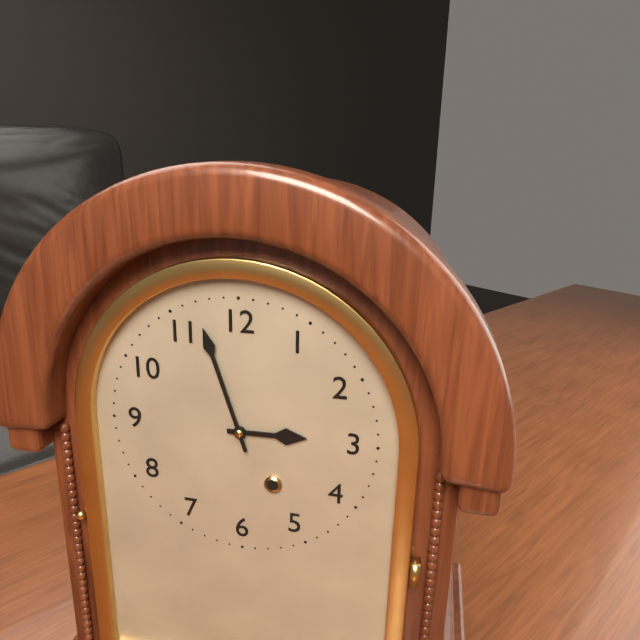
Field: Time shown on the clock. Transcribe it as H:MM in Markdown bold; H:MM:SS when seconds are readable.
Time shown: **2:57**
